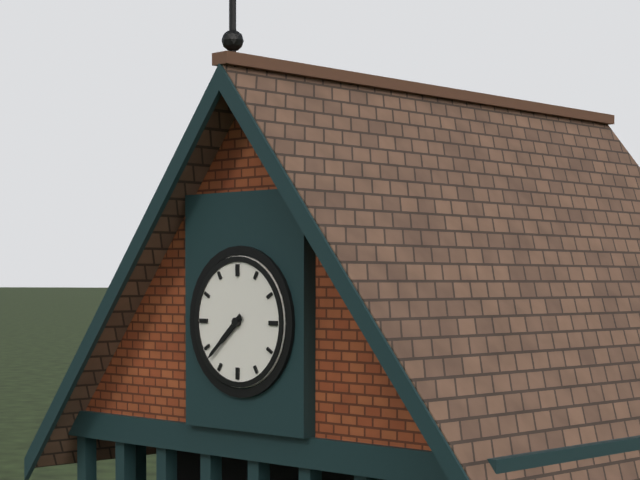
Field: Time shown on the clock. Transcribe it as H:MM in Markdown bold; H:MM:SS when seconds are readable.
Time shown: **7:38**
